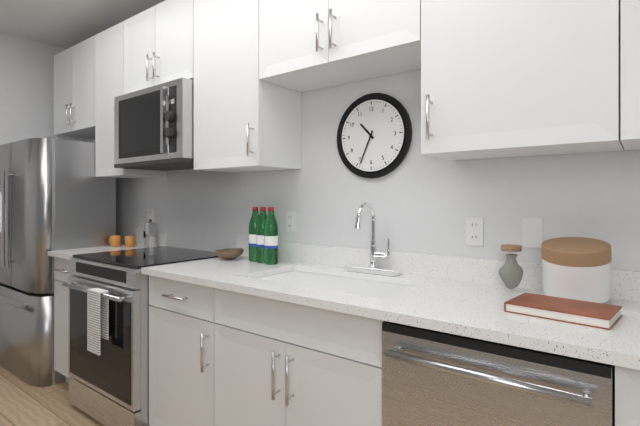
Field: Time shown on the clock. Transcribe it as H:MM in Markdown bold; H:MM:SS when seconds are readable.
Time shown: **10:34**
